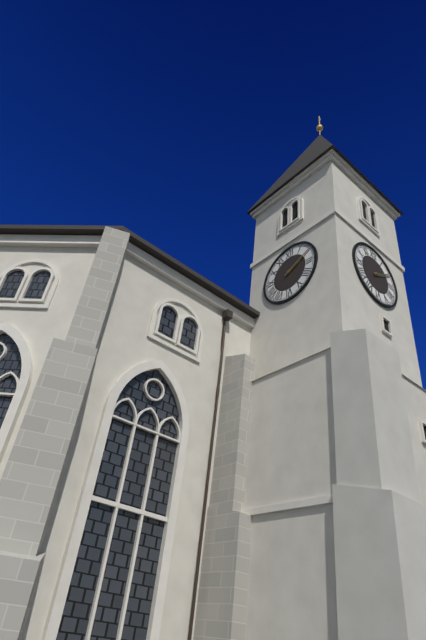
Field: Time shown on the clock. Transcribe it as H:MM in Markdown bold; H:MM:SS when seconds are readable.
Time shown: **2:10**
